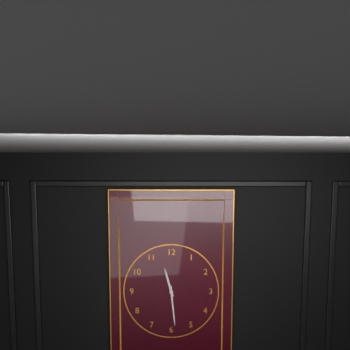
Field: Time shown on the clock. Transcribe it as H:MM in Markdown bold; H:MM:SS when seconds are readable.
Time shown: **11:29**
